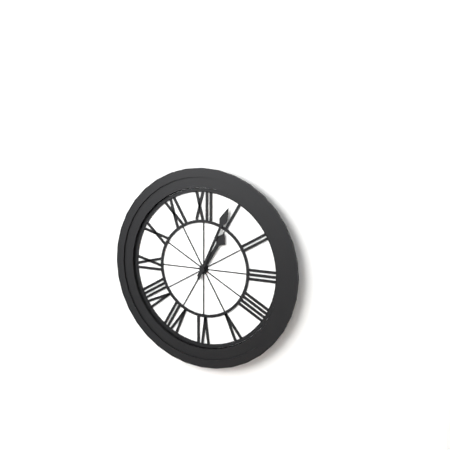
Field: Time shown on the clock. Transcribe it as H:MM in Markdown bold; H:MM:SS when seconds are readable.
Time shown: **1:04**
